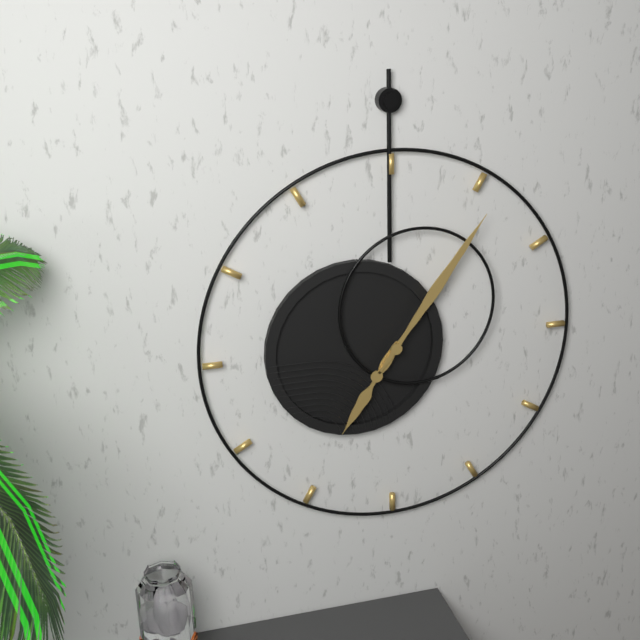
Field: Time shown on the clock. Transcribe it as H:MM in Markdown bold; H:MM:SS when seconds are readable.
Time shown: **7:06**
